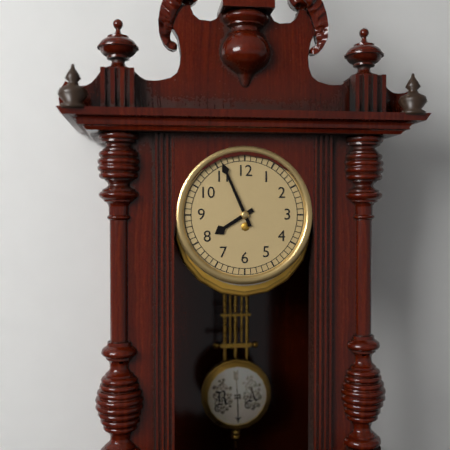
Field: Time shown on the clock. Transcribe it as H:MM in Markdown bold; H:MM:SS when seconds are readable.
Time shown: **7:56**
